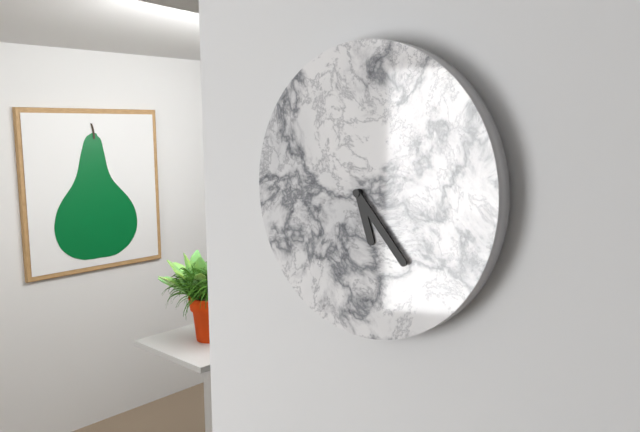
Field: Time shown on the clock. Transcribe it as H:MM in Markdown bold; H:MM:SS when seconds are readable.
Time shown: **5:23**
